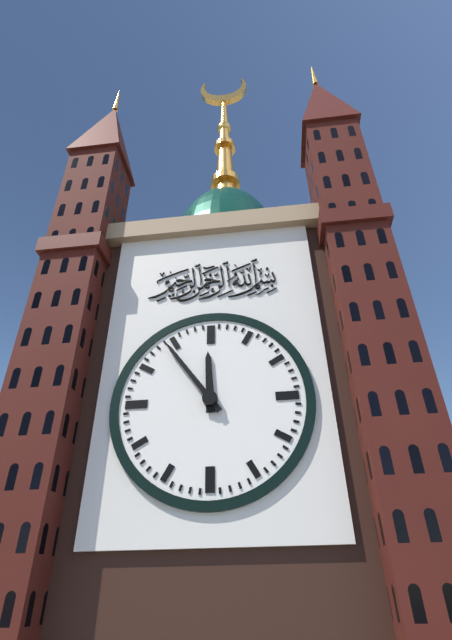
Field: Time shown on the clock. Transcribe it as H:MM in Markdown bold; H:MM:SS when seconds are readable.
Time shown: **11:54**
